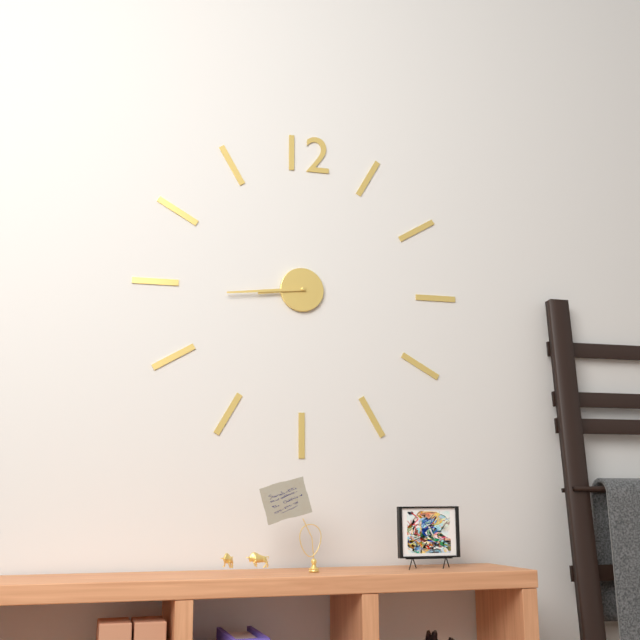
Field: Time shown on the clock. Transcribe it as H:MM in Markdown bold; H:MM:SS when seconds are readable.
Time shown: **8:44**
